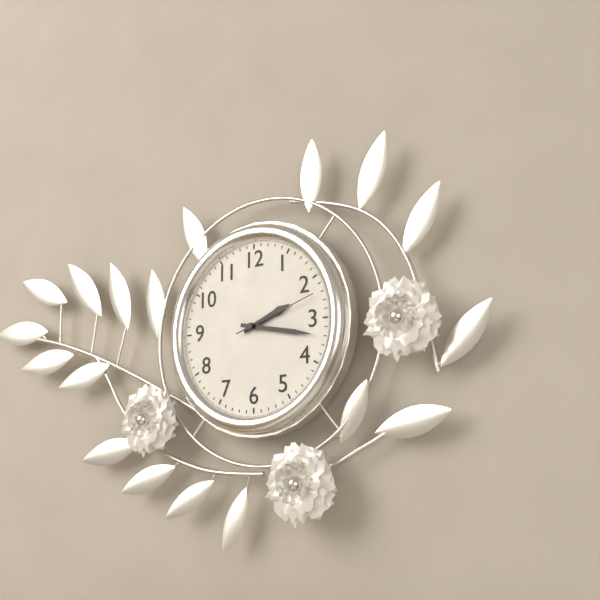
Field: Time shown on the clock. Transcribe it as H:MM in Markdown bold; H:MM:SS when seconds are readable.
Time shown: **2:17:12**
